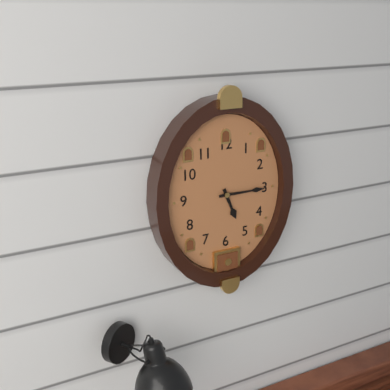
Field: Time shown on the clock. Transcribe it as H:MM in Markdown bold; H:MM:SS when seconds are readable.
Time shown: **5:15**
